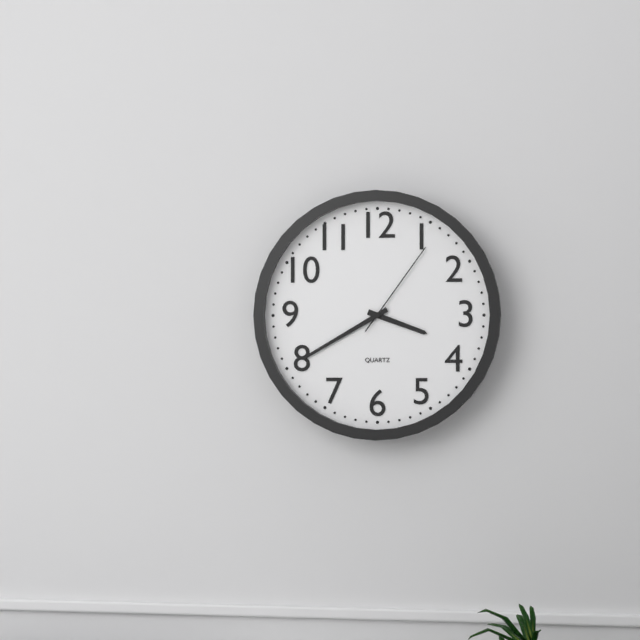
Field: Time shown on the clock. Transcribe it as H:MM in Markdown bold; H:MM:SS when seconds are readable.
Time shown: **3:40:06**
